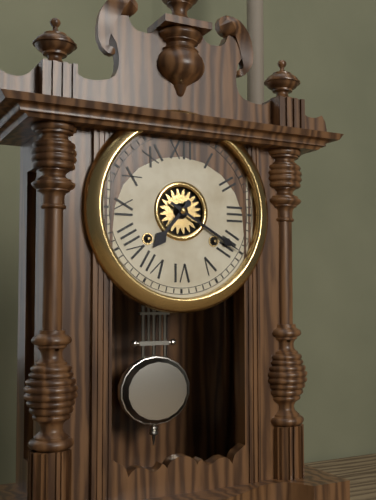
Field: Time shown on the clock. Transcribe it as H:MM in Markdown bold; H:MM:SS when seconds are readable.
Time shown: **7:20**
